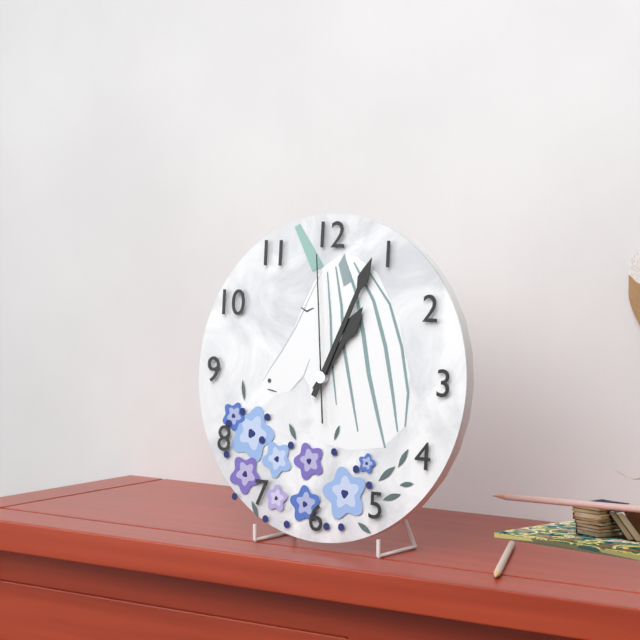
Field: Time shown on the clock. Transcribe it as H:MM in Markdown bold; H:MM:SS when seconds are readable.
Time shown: **1:04:59**
